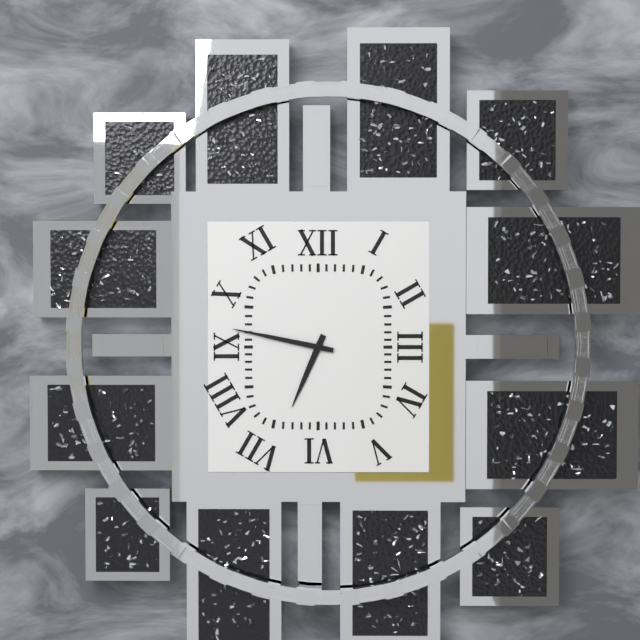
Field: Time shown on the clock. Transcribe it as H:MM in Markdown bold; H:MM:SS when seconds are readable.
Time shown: **6:47**
